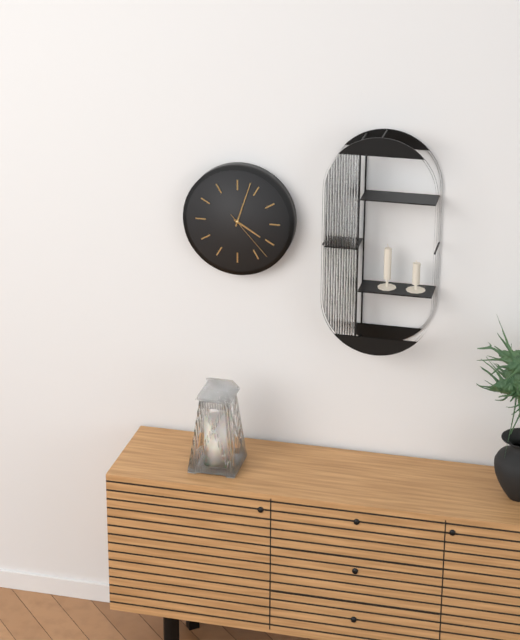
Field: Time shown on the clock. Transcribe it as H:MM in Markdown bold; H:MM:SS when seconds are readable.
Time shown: **4:03:23**
